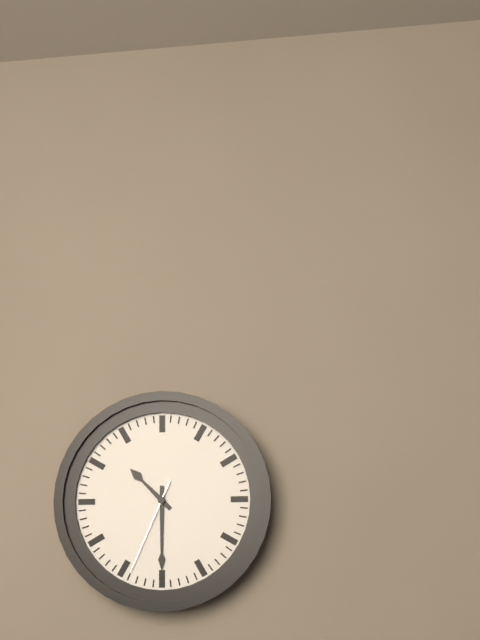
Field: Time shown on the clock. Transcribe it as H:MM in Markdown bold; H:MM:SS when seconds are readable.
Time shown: **10:30:34**
